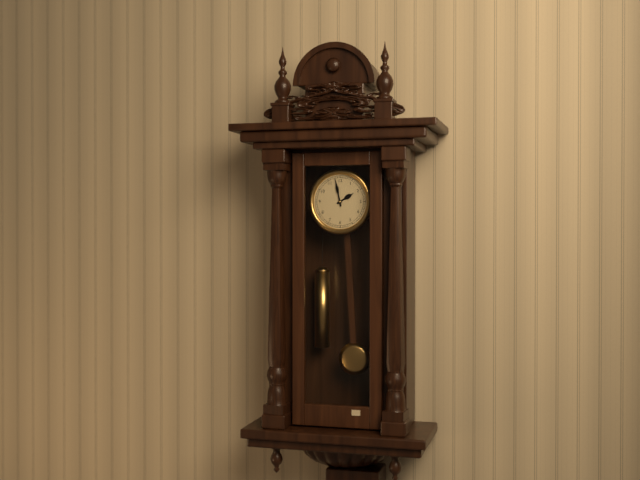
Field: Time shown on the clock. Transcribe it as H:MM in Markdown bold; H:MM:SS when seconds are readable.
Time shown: **1:58**
